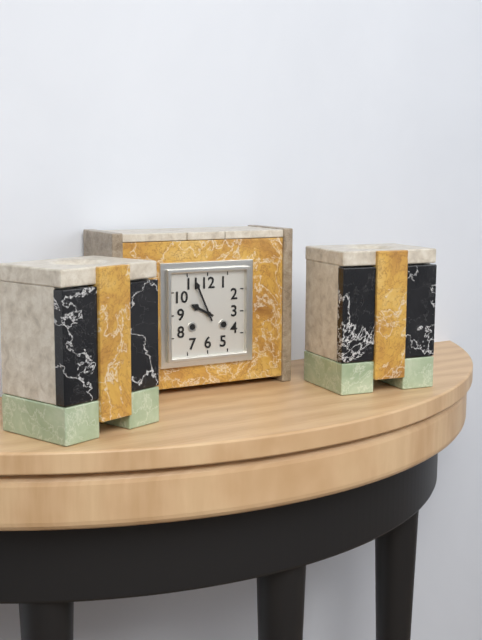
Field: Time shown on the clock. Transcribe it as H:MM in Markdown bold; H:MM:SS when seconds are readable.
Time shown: **9:56**
